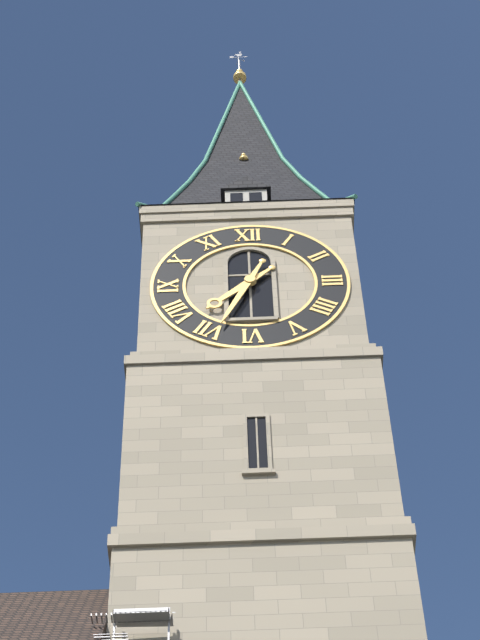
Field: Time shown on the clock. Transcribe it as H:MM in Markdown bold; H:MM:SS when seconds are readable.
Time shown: **7:34**
